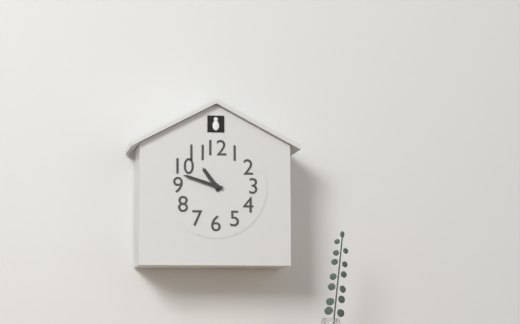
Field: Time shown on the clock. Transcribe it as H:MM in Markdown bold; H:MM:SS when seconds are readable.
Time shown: **10:48**
